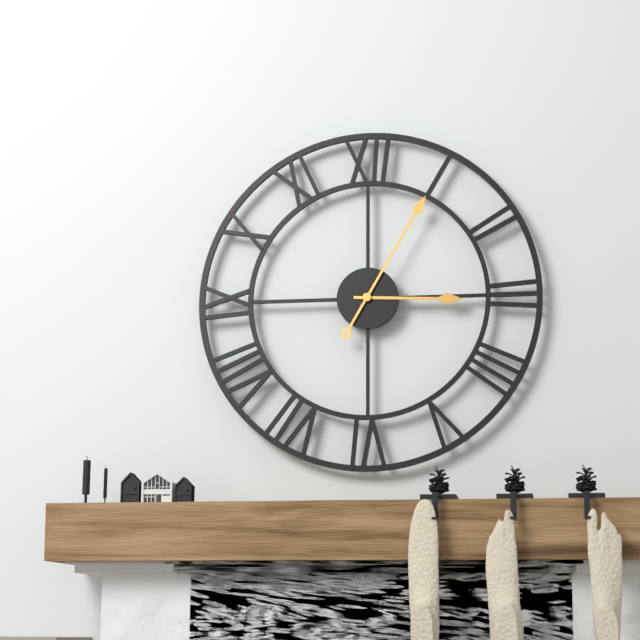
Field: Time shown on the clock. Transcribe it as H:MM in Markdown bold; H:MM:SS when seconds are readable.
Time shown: **3:05**
